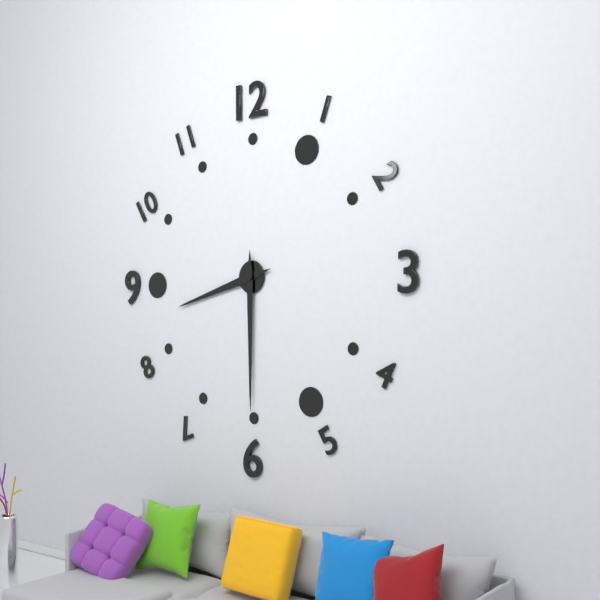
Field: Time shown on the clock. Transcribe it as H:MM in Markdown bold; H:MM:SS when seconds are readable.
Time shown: **8:30**
